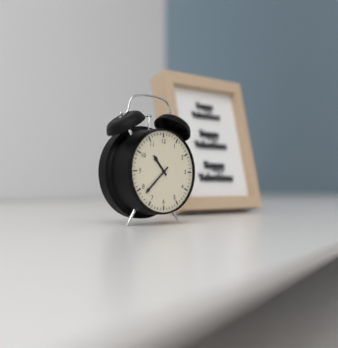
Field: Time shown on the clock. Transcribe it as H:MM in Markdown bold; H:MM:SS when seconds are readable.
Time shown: **10:38**
